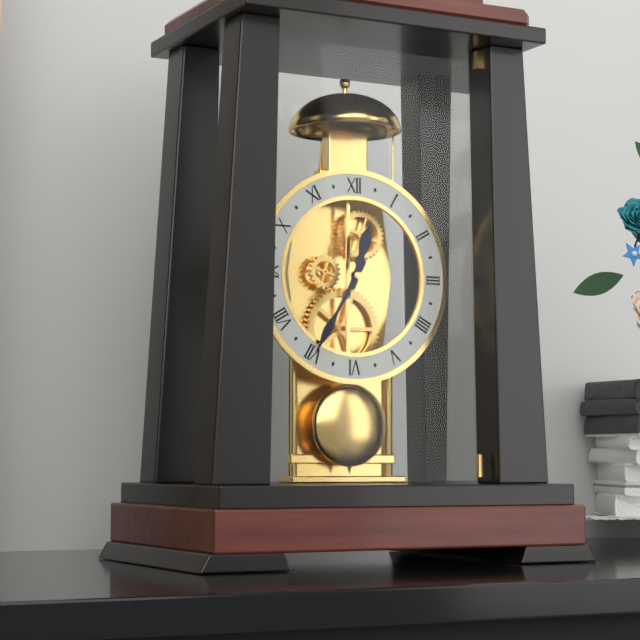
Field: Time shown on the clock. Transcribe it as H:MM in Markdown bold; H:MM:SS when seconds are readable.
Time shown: **12:35**
